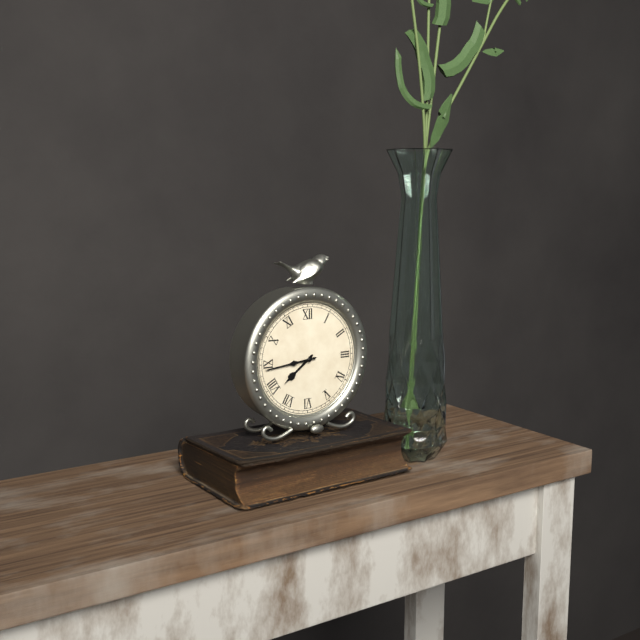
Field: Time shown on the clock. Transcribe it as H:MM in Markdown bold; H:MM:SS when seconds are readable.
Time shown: **7:44**
